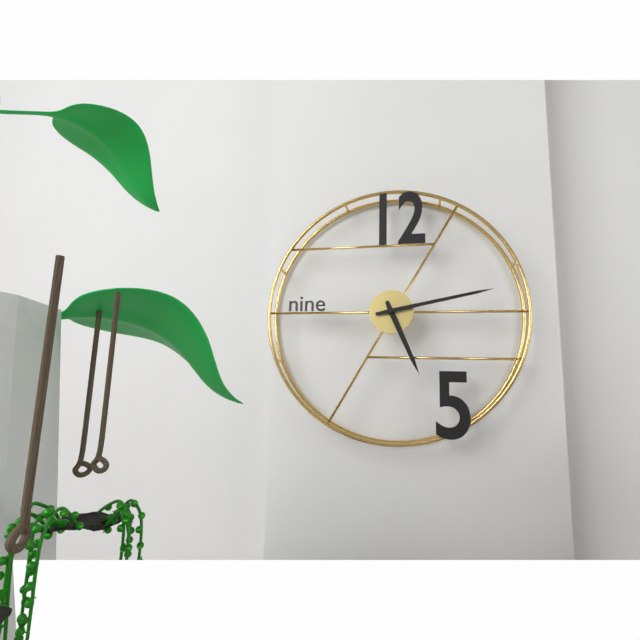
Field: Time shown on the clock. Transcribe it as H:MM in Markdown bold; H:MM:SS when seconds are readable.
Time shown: **5:13**
